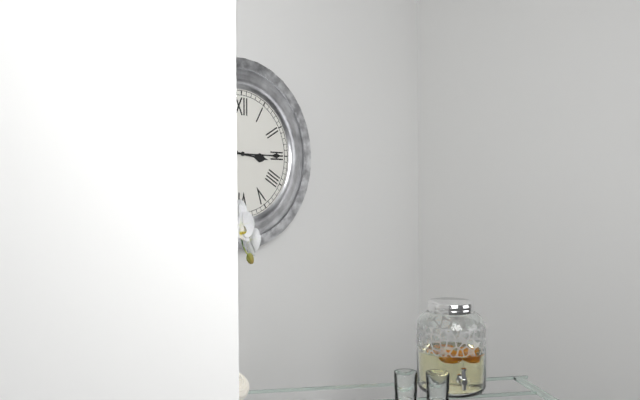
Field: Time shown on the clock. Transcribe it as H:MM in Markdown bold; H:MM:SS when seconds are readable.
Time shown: **3:15**
